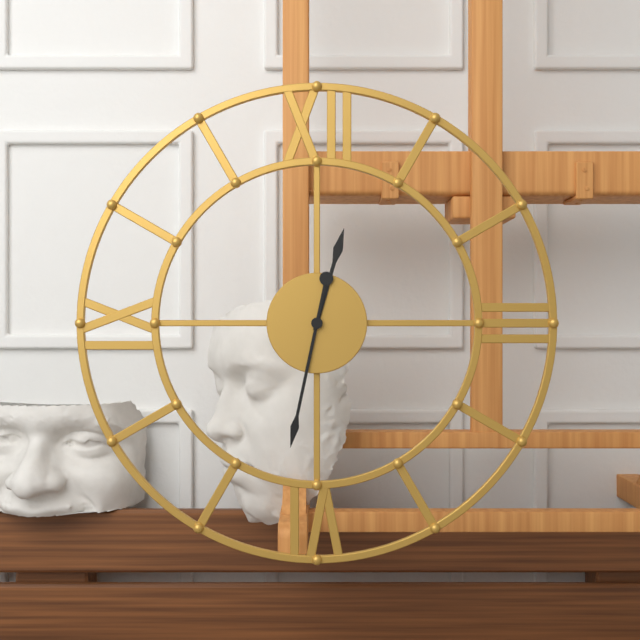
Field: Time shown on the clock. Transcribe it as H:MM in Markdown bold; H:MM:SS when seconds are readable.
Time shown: **12:32**
